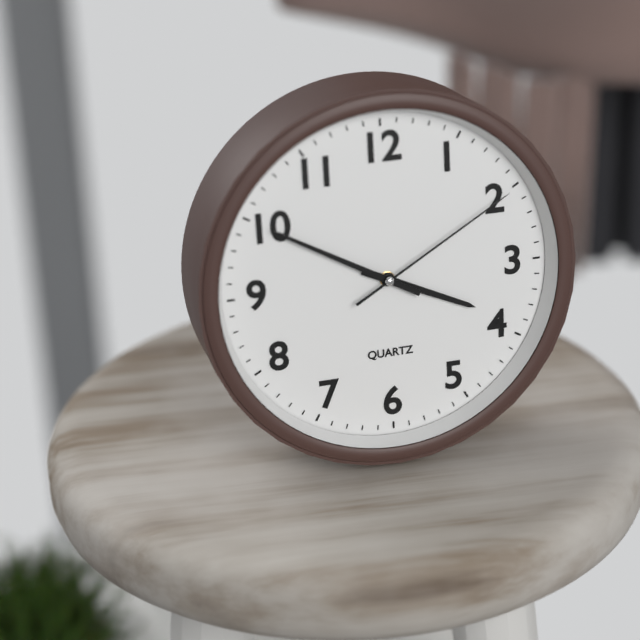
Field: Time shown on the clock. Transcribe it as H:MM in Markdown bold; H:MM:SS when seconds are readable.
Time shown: **3:50:10**
